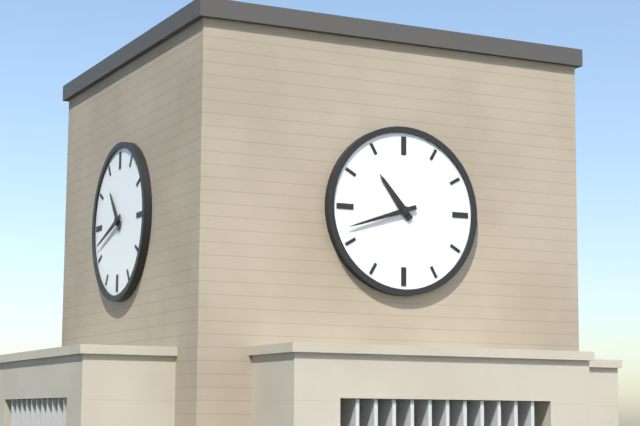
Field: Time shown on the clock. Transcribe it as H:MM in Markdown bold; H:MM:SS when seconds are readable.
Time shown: **10:42**
